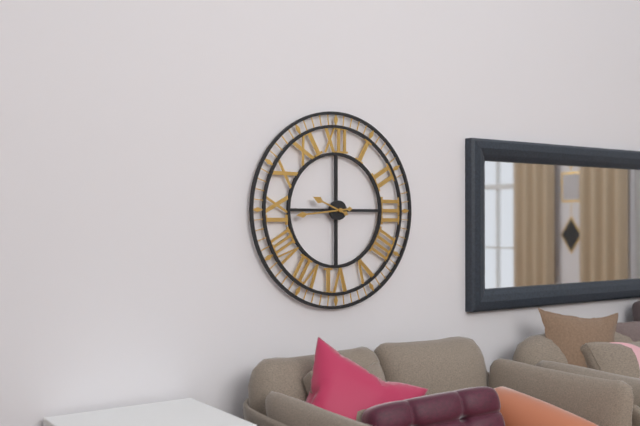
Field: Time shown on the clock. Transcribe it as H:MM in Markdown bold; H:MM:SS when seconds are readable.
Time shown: **9:44**
